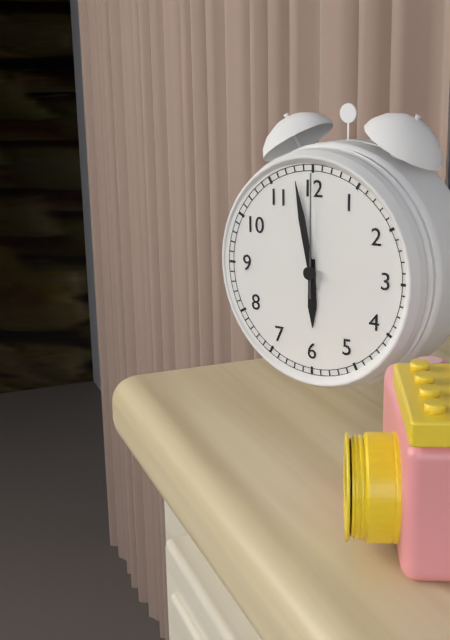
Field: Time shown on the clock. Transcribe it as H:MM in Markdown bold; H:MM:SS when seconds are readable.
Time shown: **5:58:00**
